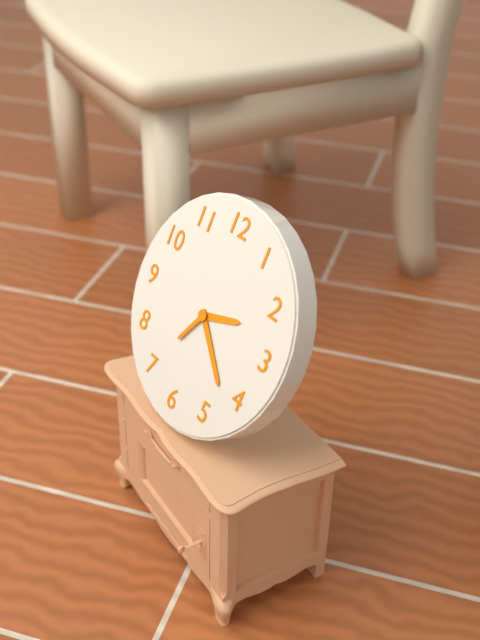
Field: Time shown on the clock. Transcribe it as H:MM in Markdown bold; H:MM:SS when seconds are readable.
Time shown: **2:22**
